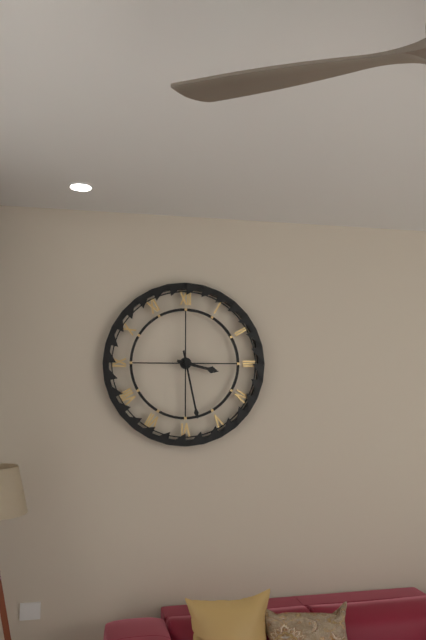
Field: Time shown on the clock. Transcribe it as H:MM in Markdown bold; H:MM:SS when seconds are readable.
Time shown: **3:28**
